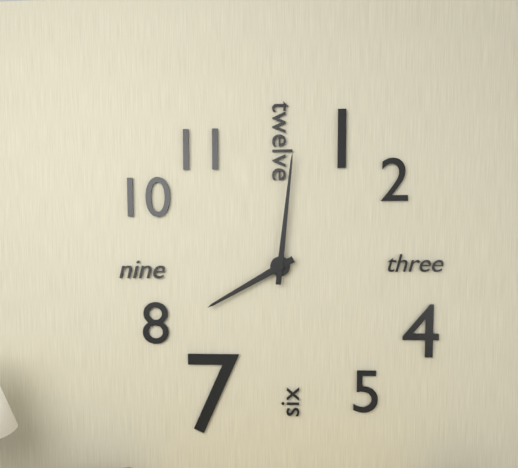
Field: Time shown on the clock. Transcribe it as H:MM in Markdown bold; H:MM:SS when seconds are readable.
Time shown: **8:01**
